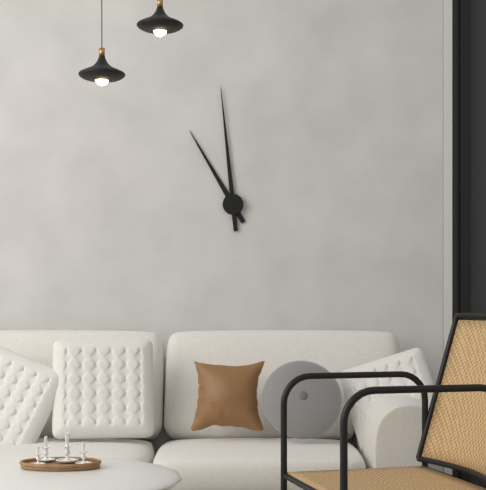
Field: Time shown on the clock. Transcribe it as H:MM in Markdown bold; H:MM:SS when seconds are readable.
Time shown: **10:59**
